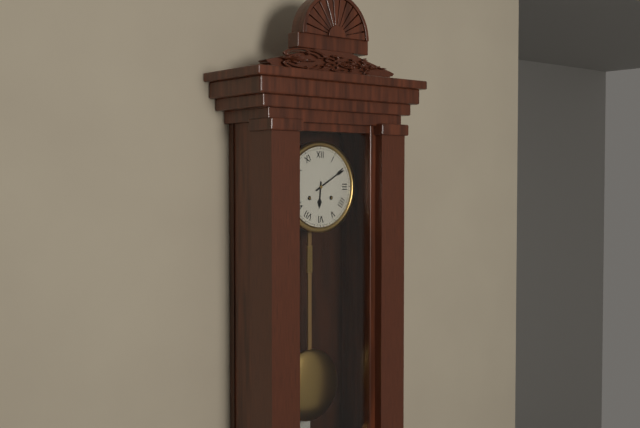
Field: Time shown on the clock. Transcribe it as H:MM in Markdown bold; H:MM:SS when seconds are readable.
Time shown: **6:10**
